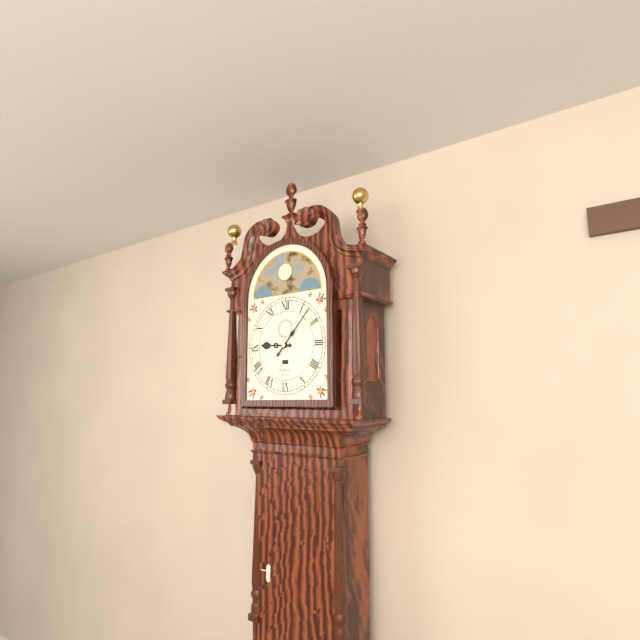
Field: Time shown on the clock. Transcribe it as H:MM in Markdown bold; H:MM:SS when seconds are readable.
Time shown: **9:07**
